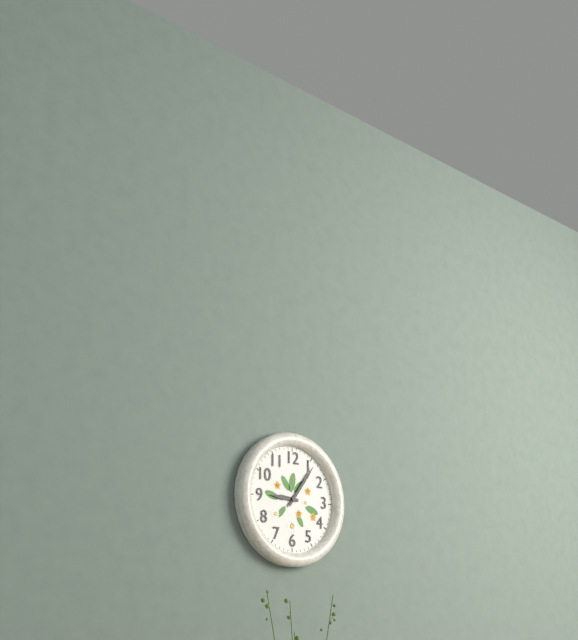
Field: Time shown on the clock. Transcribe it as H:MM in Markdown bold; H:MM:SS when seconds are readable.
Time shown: **9:06**
